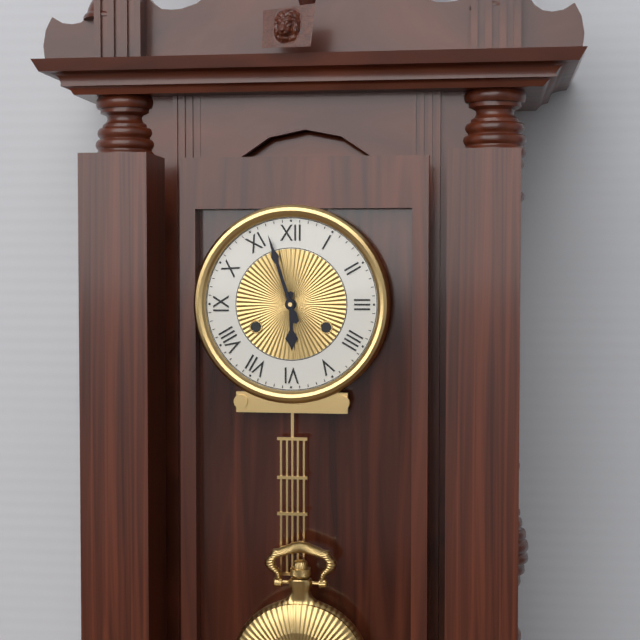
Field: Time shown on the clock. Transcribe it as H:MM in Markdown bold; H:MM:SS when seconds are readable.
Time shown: **5:57**
